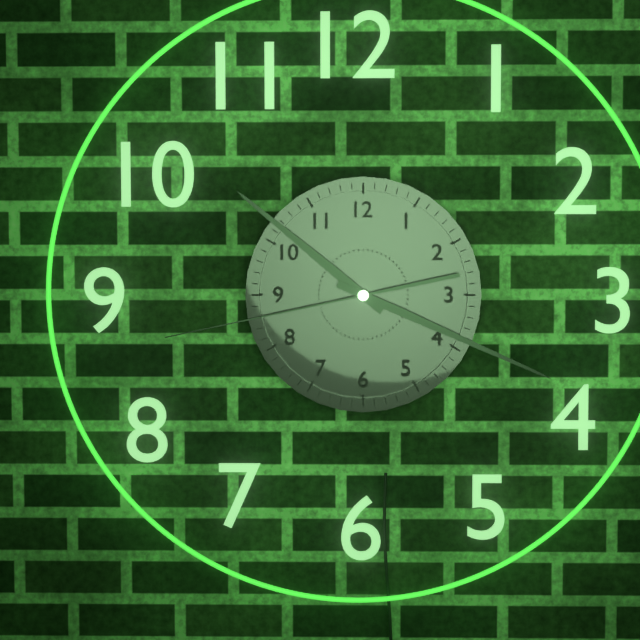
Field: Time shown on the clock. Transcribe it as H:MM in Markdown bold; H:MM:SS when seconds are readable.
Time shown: **10:19:43**
